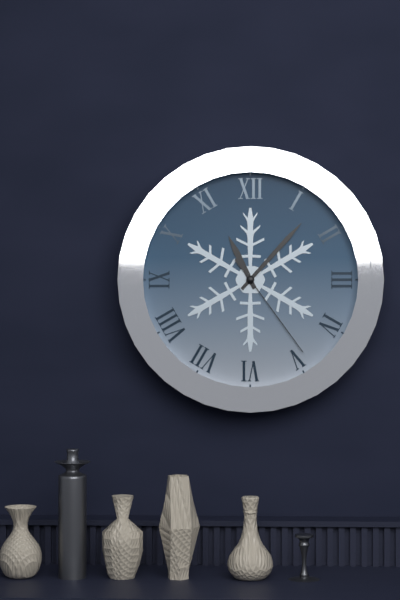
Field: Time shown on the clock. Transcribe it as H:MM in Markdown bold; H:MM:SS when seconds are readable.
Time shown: **11:07:24**
